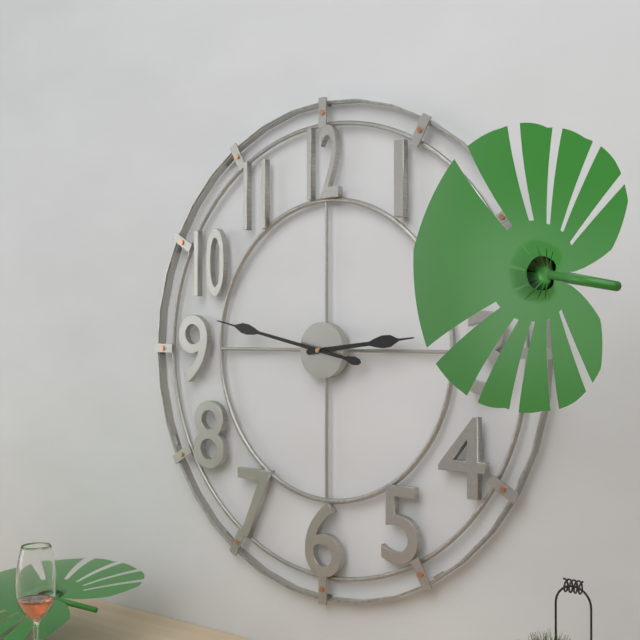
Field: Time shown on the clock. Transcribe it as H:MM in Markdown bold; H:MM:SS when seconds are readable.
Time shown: **2:47**
